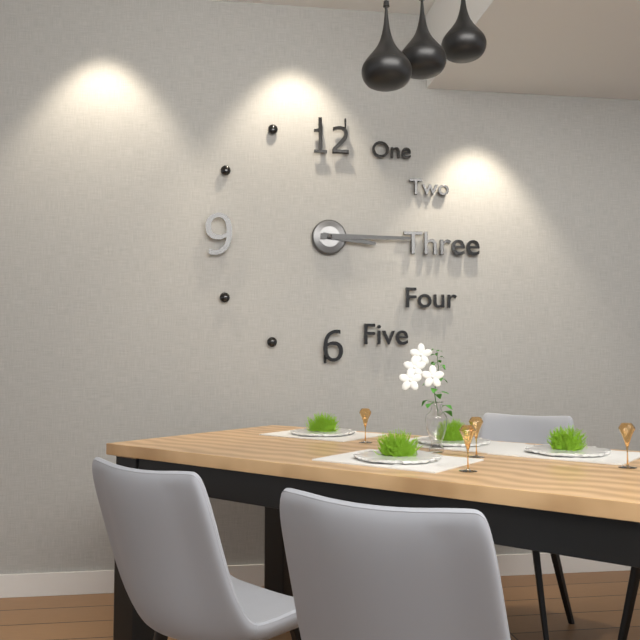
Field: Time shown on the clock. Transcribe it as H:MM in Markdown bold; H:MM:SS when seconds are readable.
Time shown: **3:15**
